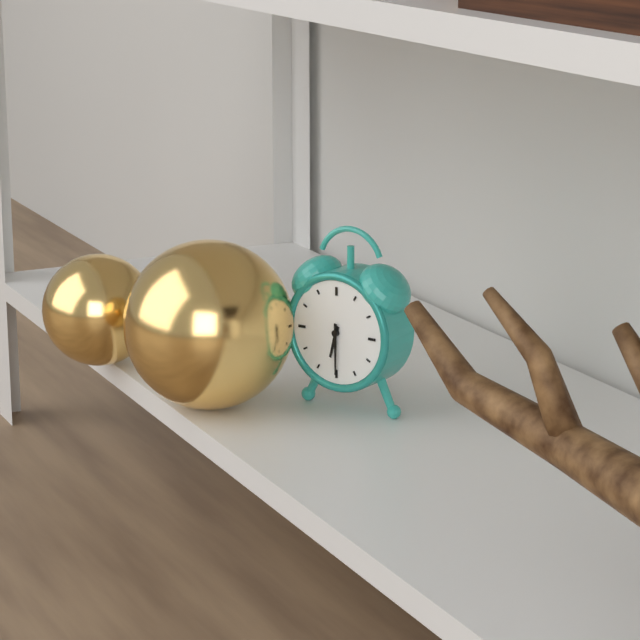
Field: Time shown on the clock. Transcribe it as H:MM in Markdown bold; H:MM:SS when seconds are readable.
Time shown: **6:30**
